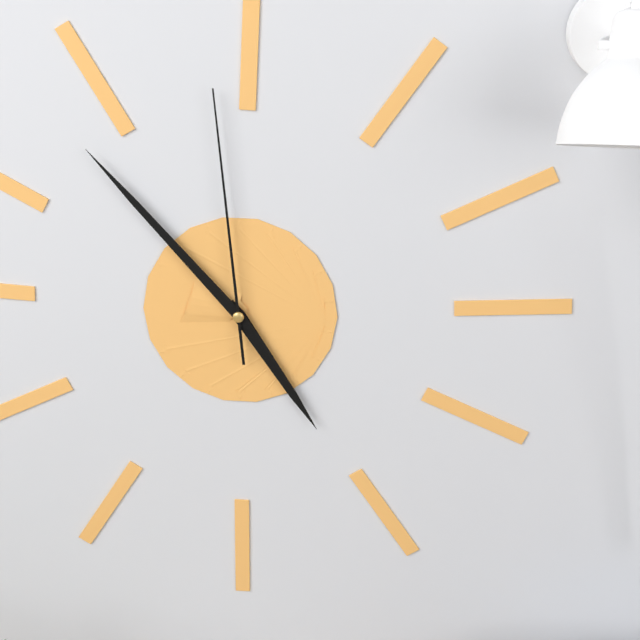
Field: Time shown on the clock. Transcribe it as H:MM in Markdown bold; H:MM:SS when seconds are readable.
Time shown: **4:53:59**
